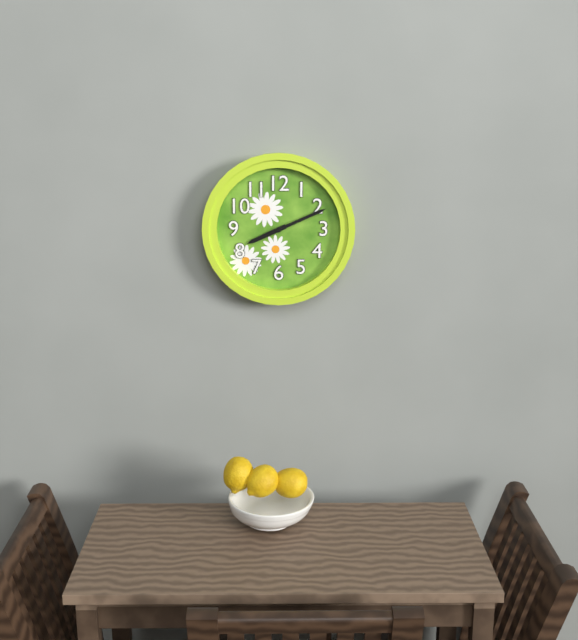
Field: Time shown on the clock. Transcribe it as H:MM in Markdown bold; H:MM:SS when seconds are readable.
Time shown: **8:11**
